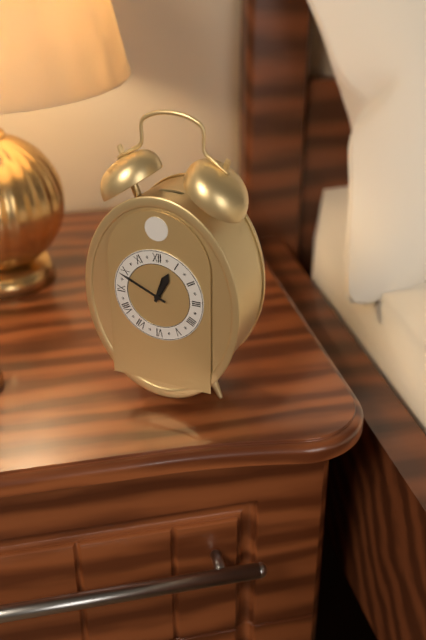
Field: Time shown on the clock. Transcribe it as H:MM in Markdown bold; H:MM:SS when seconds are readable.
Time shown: **12:49**
